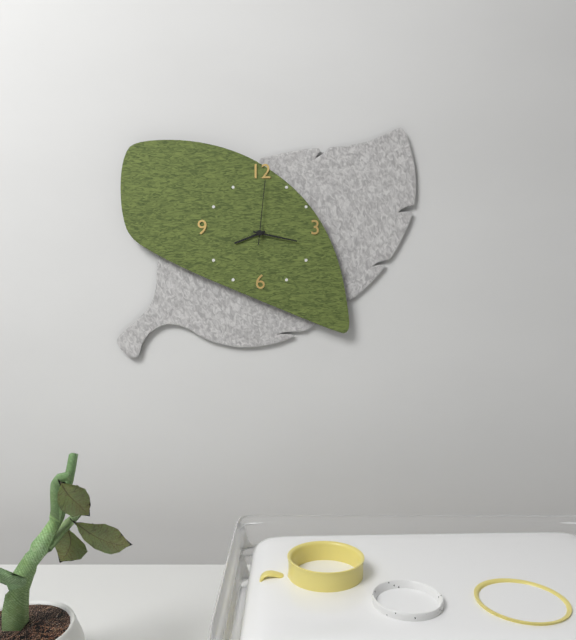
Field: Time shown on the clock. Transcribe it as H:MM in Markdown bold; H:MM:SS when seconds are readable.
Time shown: **8:17:01**
